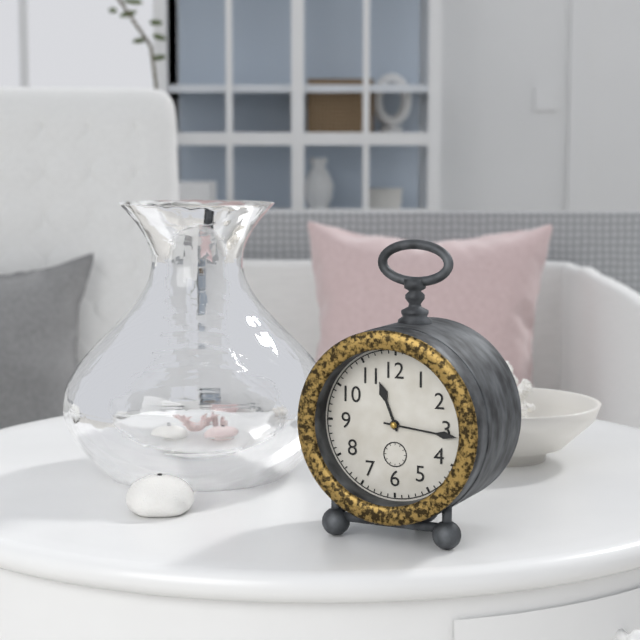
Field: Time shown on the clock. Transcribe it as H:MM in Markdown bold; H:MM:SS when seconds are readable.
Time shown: **11:16**
